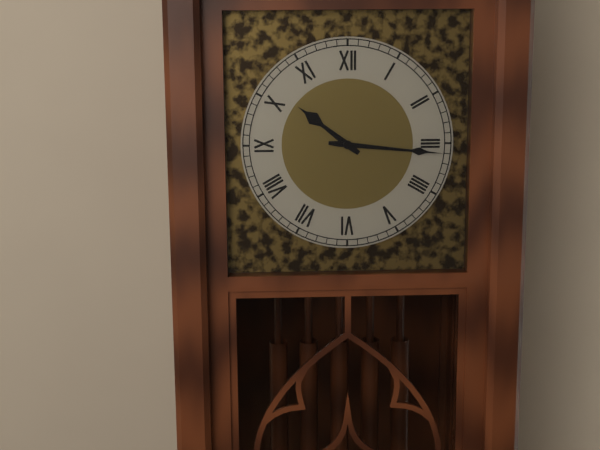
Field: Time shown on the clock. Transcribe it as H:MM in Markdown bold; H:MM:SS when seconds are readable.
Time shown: **10:16**
